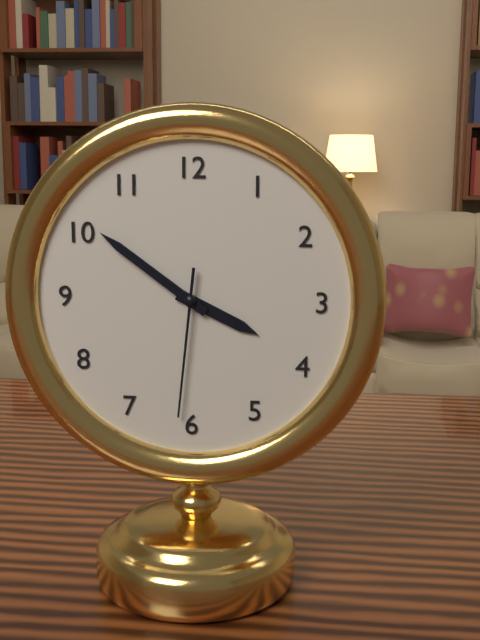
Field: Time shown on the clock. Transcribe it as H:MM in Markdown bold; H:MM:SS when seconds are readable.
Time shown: **3:51:31**
